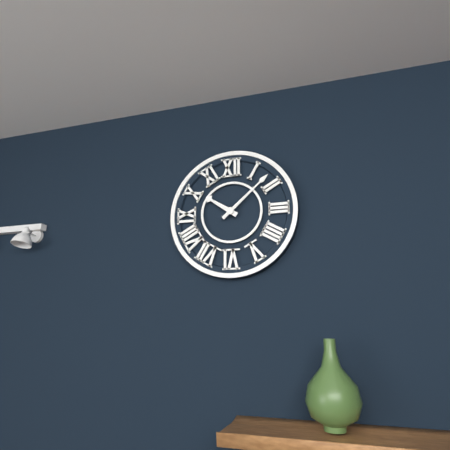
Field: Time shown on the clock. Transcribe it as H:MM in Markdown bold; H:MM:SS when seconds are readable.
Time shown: **10:08**
